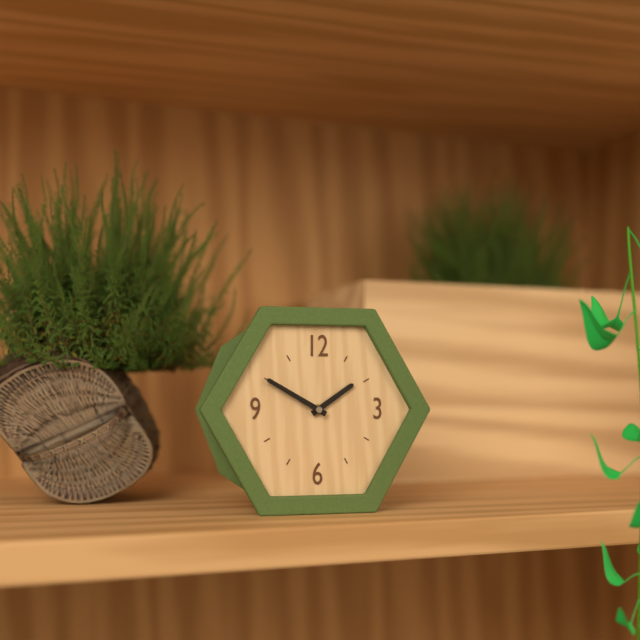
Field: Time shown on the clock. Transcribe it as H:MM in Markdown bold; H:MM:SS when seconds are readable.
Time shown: **1:50**
